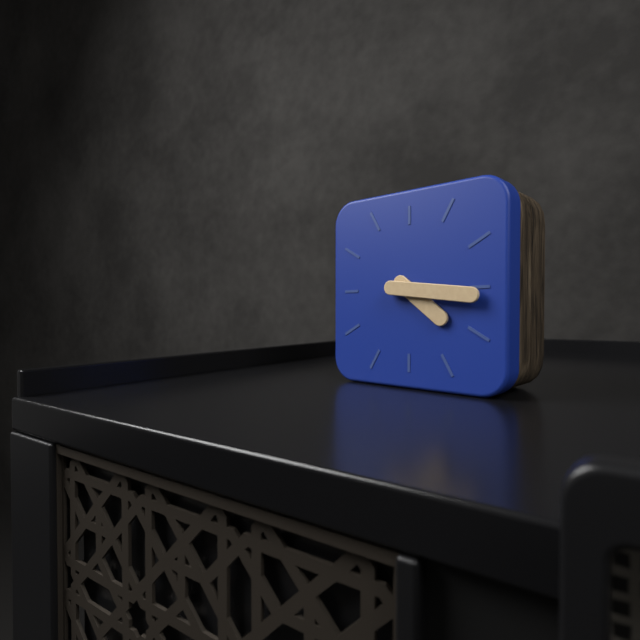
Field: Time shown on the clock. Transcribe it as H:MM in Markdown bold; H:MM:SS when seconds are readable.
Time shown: **4:16**
